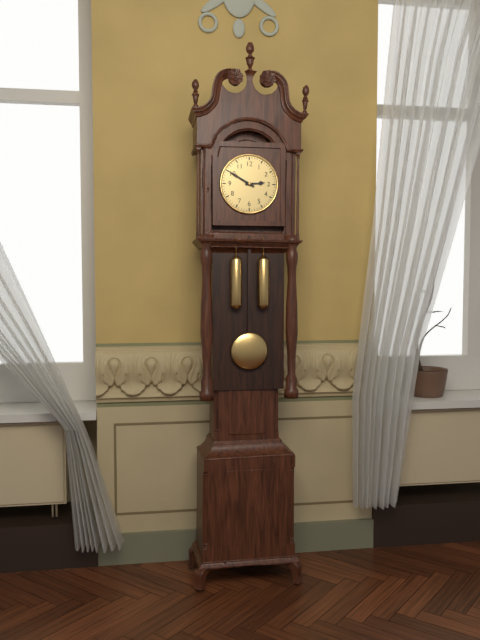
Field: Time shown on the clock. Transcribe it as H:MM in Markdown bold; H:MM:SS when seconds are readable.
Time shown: **2:50**
